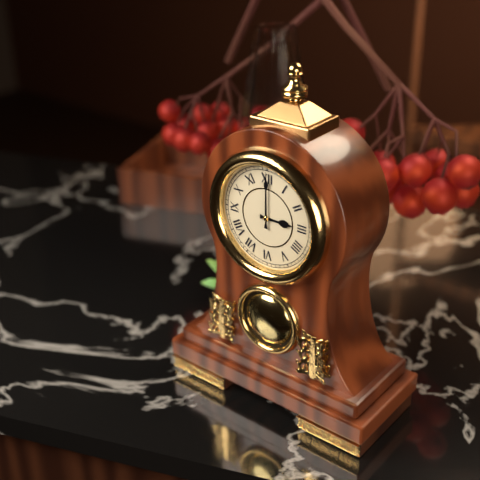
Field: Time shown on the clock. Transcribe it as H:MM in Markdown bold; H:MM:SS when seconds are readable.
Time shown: **3:00**
